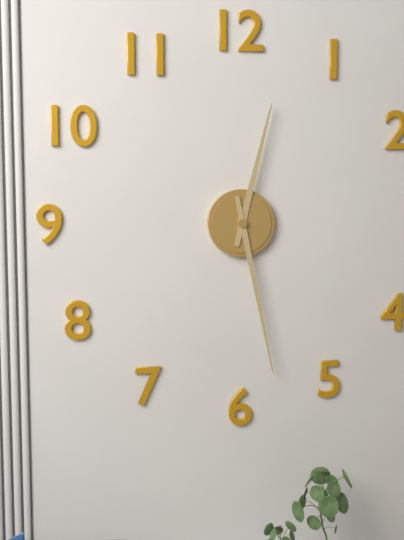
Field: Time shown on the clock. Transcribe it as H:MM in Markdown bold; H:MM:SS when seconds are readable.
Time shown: **12:28**
